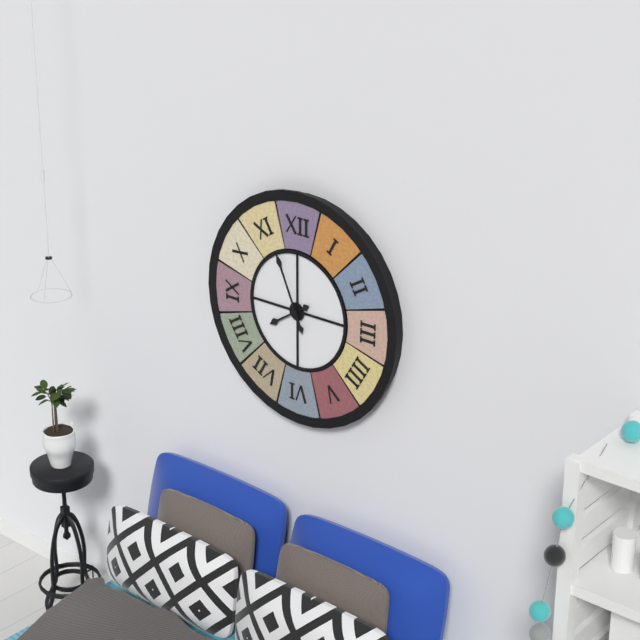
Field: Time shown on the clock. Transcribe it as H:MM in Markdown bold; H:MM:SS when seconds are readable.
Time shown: **7:56**
